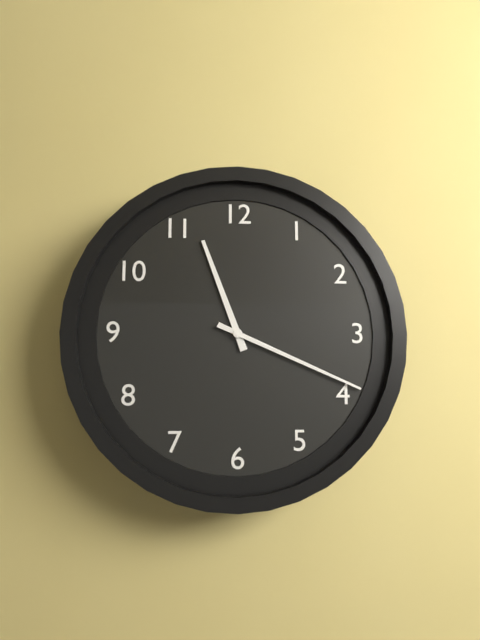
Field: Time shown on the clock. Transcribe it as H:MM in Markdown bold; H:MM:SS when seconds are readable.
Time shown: **11:19**
